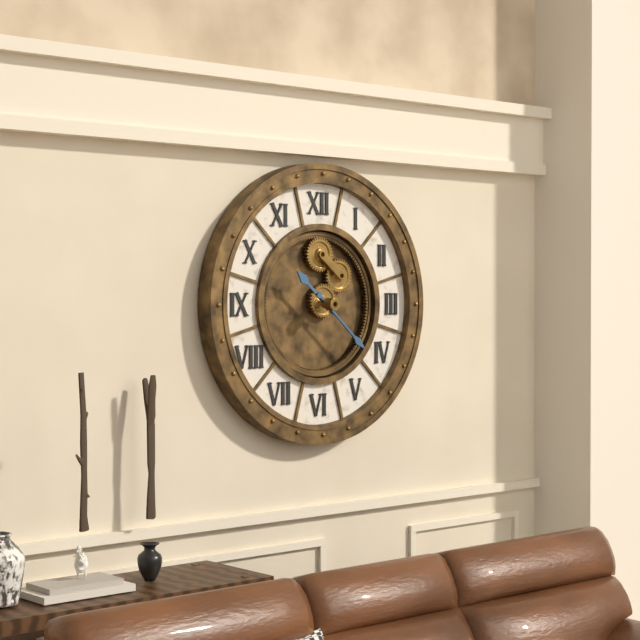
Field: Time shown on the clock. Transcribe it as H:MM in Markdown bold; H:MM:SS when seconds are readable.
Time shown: **10:22**
